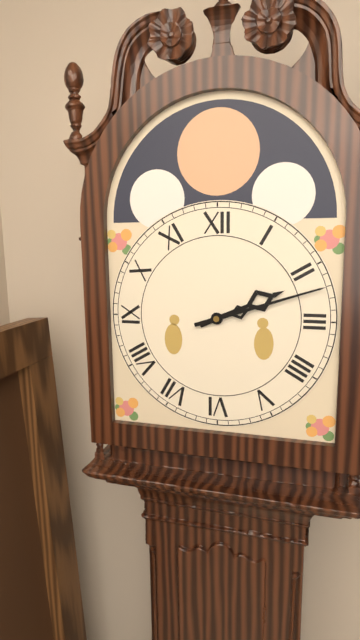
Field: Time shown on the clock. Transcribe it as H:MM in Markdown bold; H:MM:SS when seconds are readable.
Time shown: **2:12**
